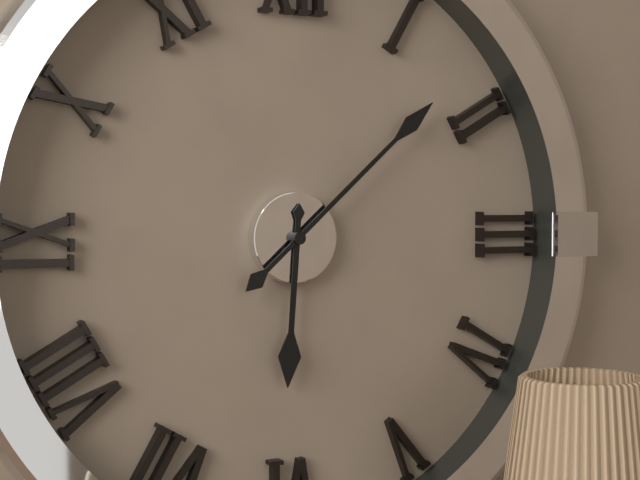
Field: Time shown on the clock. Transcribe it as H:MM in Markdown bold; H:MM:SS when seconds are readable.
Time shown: **6:08**
